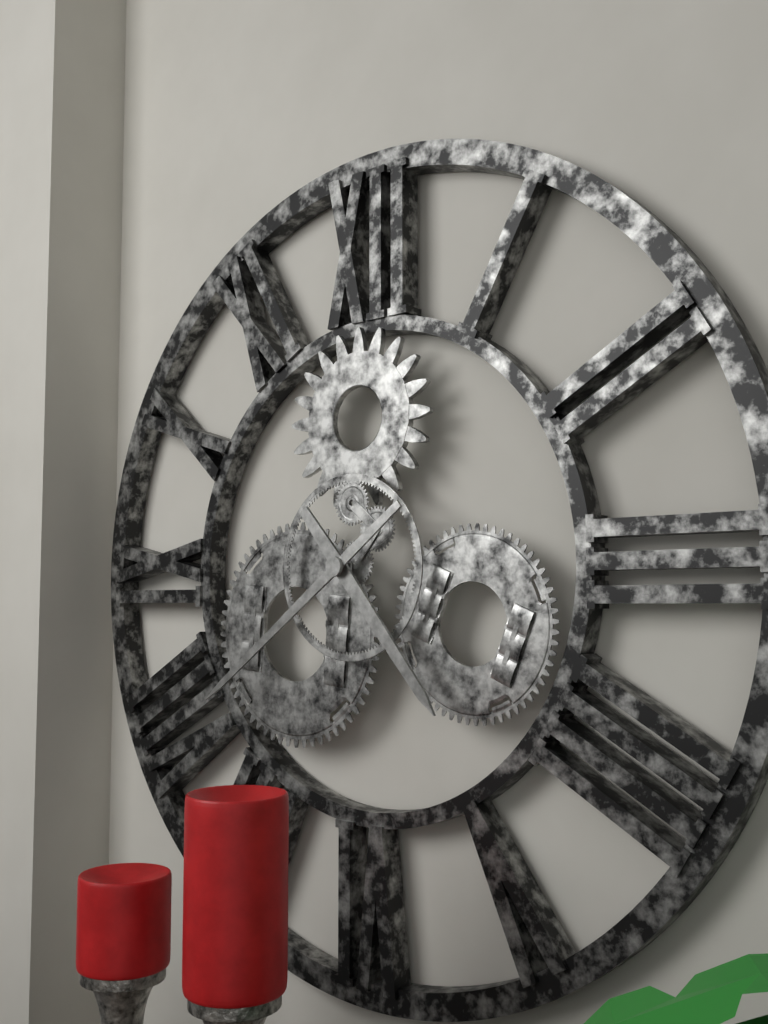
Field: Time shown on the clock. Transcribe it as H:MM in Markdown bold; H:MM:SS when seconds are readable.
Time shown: **4:39**
